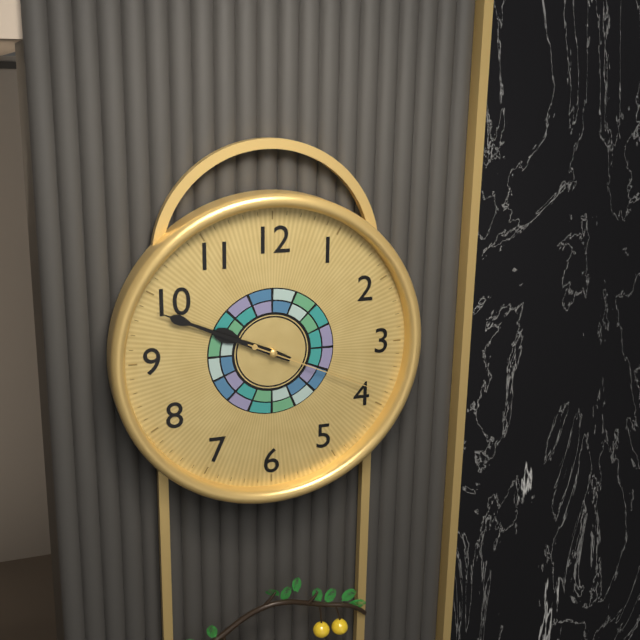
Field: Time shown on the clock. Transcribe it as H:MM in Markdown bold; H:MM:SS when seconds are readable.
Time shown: **9:49:19**
